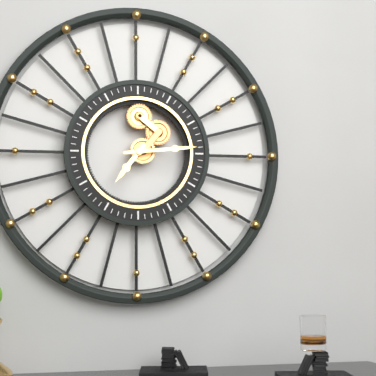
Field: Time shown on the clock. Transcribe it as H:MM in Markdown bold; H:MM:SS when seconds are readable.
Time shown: **7:14**
